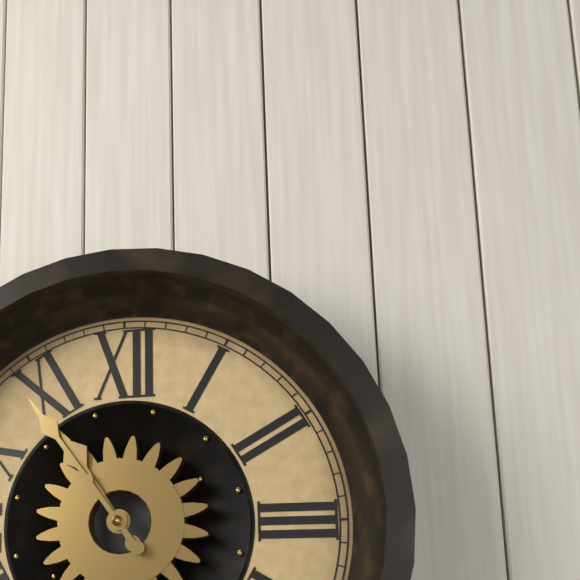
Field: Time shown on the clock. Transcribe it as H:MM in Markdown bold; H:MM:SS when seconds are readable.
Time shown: **10:54**
